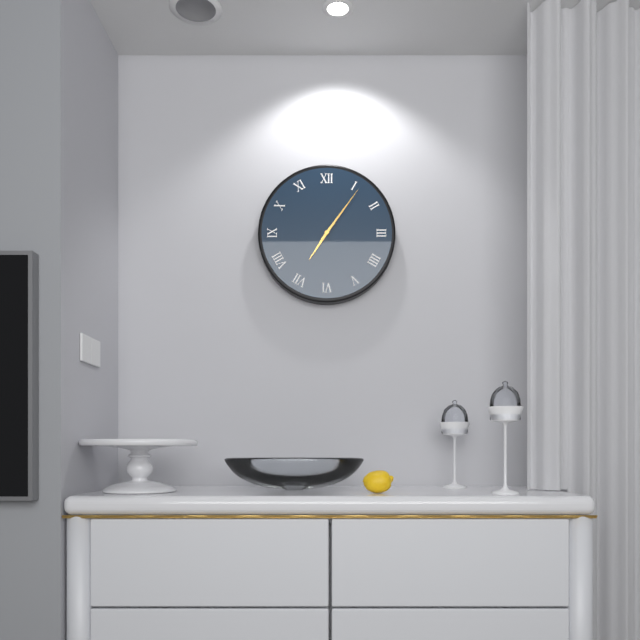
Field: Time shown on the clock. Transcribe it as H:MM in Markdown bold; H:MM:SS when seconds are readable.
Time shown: **7:06**
